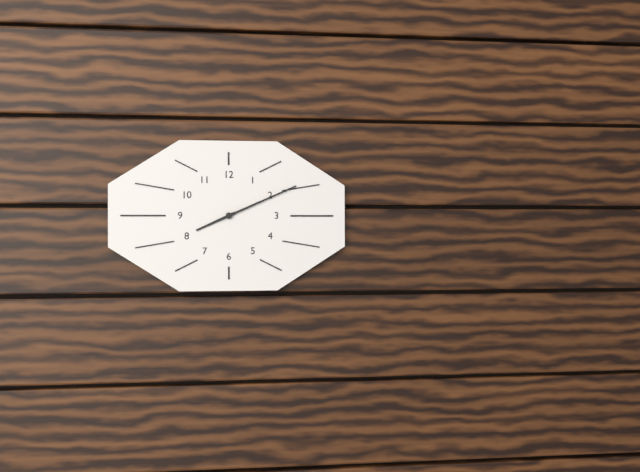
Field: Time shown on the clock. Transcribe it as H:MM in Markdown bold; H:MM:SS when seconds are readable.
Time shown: **8:11**
